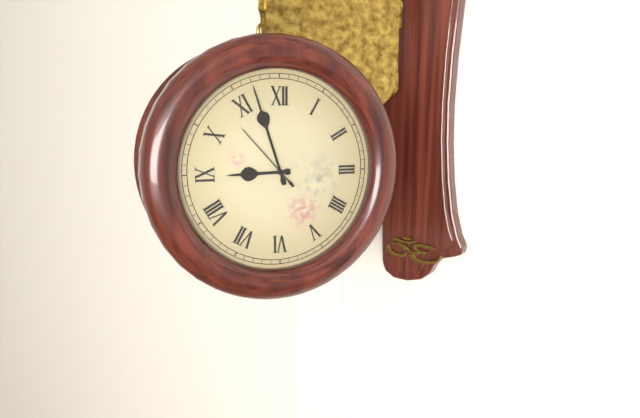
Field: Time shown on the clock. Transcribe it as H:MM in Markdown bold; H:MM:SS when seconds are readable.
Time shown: **8:57:53**
